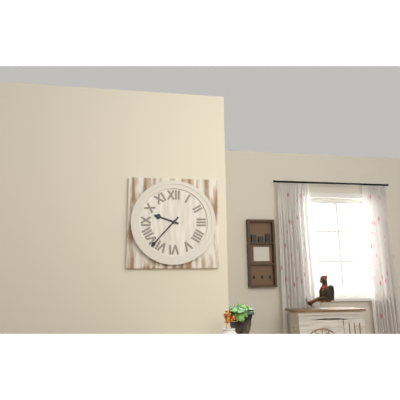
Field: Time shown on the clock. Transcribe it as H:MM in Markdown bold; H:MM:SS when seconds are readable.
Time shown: **9:37**
